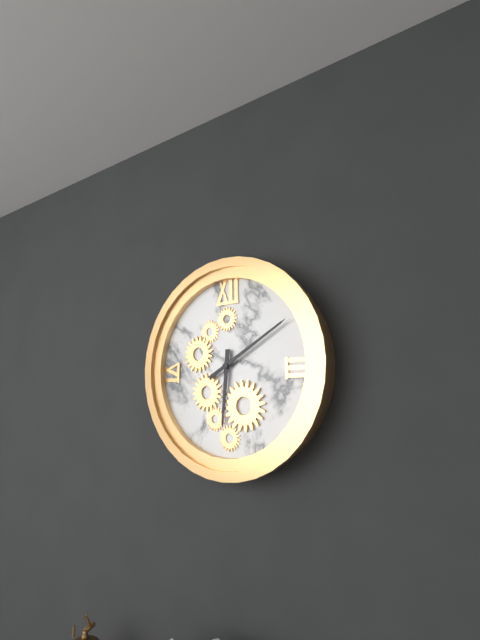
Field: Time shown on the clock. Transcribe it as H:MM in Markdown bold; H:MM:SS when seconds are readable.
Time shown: **6:10**
